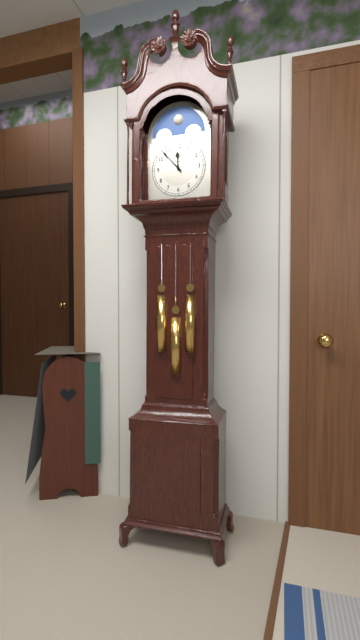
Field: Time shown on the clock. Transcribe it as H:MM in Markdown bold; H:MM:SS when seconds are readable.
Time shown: **11:53**
